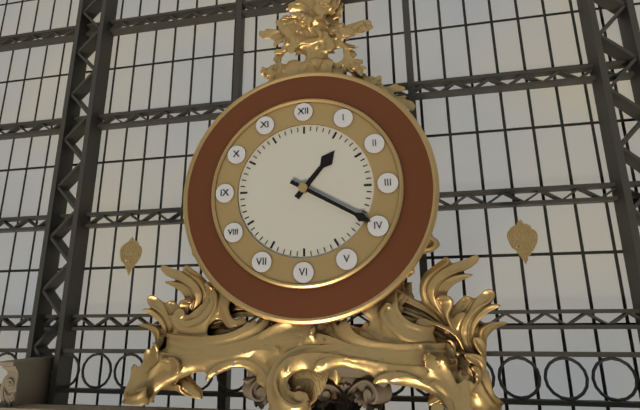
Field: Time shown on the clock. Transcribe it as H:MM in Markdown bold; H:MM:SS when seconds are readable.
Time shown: **1:20**
